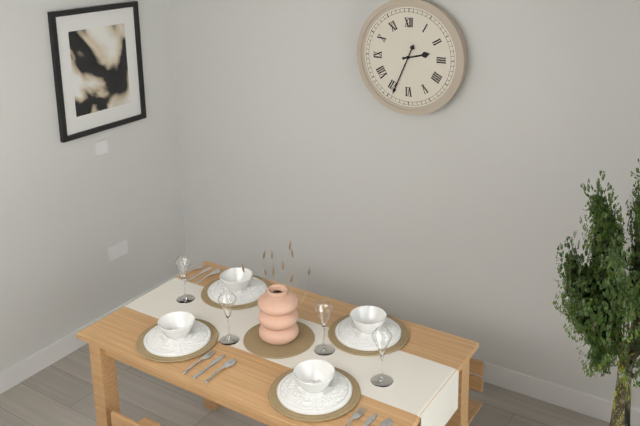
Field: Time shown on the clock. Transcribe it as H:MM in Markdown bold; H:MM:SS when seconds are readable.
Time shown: **2:34**
